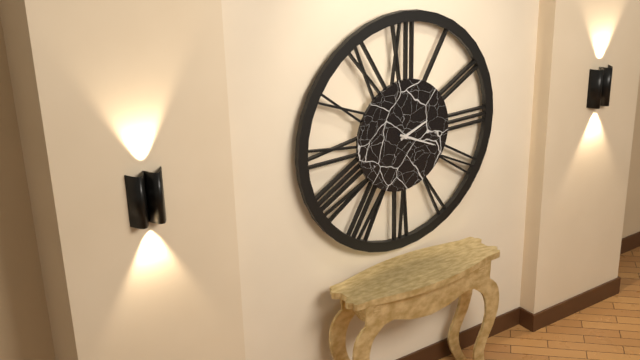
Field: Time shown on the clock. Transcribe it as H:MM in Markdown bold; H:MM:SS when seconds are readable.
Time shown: **2:19**
